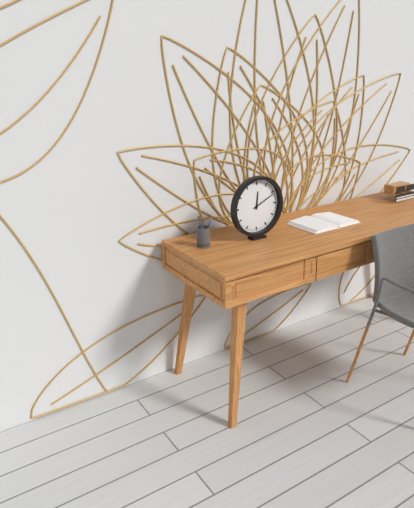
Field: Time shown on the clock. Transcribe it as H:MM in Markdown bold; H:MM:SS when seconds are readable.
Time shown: **12:11**
